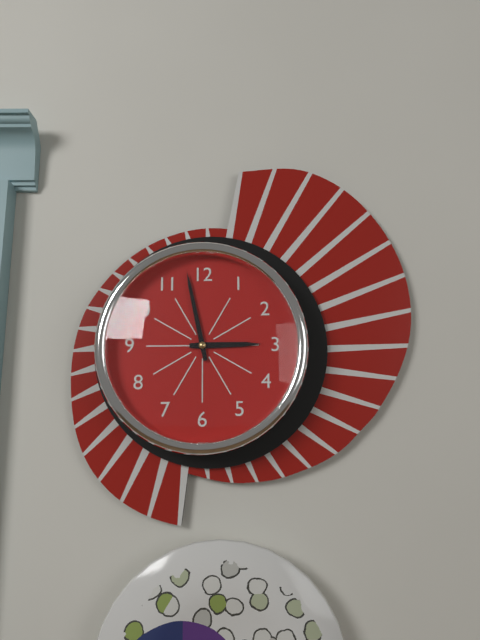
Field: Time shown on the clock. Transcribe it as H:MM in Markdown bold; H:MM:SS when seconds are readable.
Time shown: **2:58**
